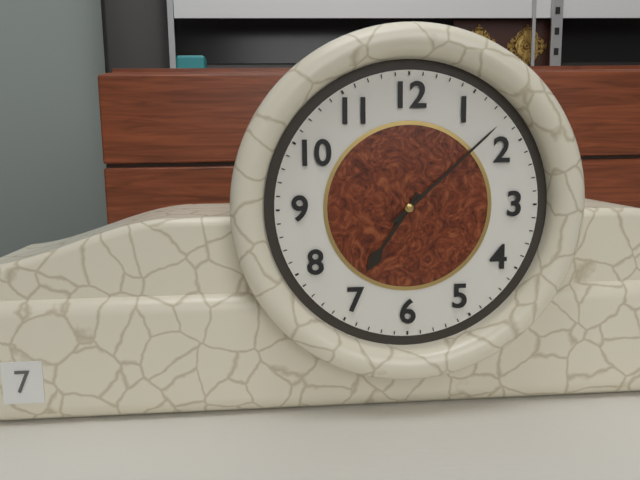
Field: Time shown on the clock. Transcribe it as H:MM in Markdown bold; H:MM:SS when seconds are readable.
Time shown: **7:08**
